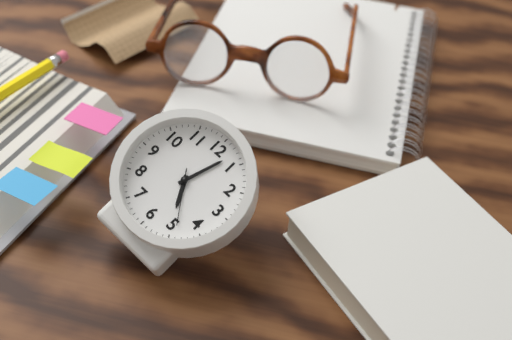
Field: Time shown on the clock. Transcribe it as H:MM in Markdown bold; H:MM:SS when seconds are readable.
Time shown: **5:03:24**
